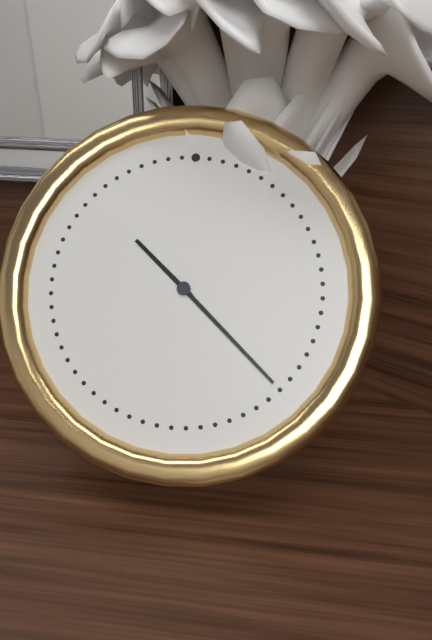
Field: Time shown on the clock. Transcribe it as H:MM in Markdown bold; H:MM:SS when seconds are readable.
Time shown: **10:22**
